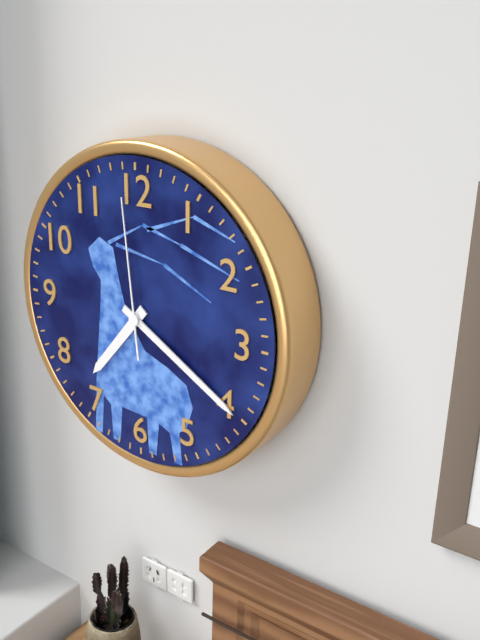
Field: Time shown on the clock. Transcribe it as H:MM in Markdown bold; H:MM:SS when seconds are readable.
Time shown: **7:20:59**
